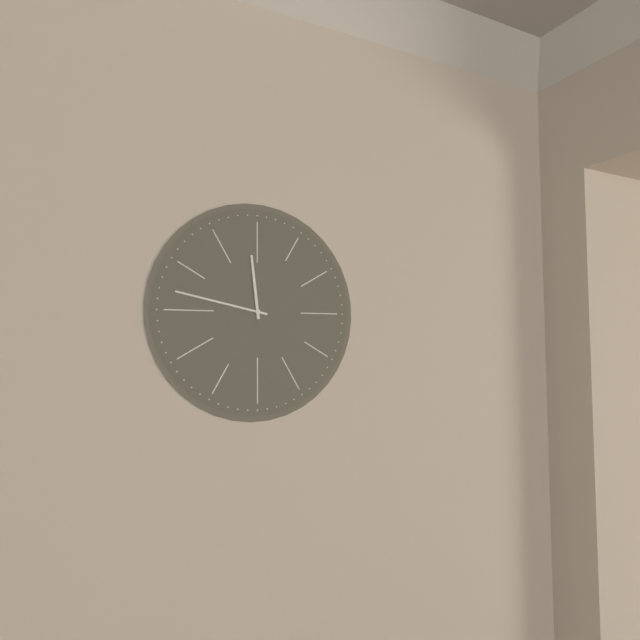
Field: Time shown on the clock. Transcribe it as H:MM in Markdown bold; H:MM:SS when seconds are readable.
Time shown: **11:47**
